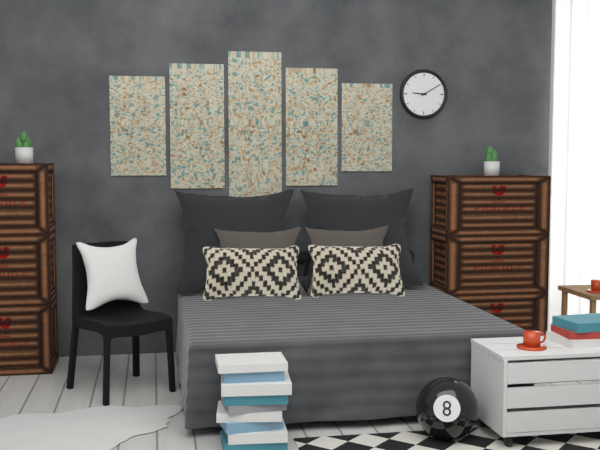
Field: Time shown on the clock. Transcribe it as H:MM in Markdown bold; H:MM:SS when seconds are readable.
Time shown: **9:10**
